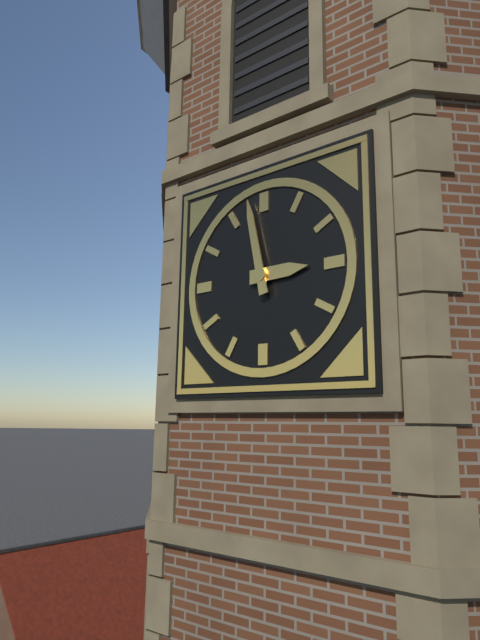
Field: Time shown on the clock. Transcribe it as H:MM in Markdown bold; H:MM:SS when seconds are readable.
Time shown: **2:58**
